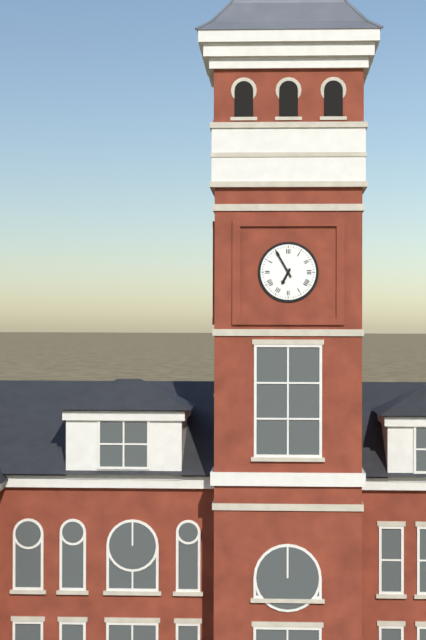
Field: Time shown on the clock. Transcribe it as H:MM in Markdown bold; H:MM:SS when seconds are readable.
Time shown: **6:55**
